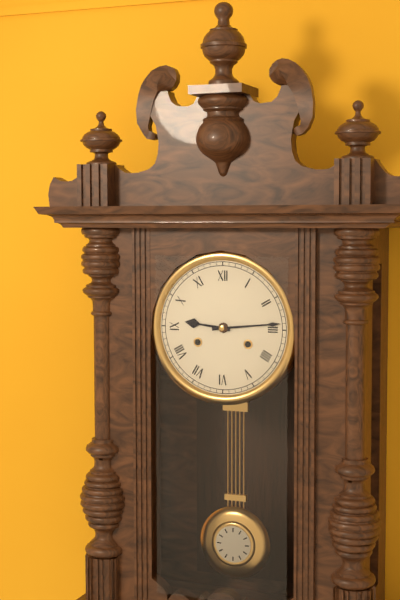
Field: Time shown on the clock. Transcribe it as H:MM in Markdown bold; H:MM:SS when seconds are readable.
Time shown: **9:14**
